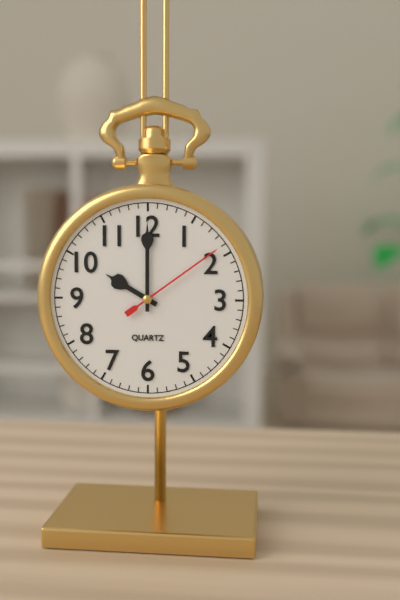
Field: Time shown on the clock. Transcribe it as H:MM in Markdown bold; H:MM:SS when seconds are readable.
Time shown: **10:00:09**
